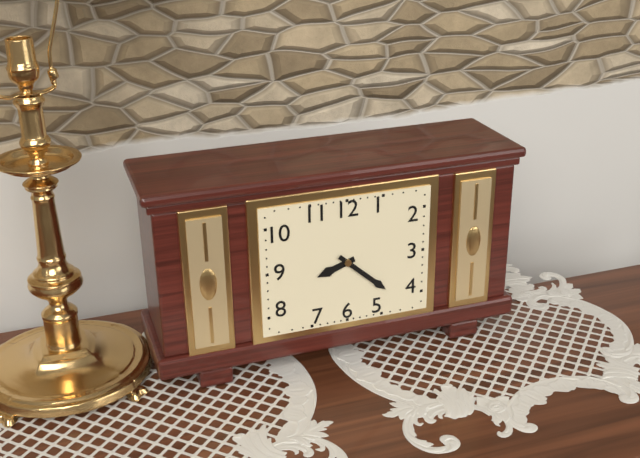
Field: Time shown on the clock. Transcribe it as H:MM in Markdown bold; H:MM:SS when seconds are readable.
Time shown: **8:22**
